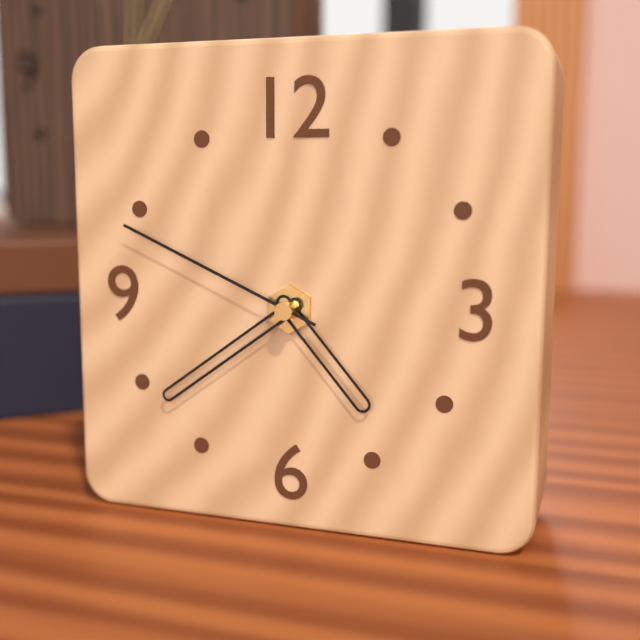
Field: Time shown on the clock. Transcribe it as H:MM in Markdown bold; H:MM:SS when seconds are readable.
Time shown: **4:39:49**
